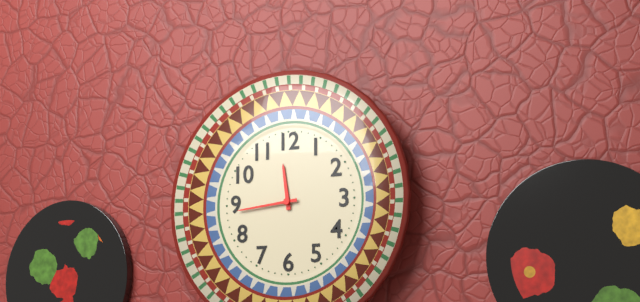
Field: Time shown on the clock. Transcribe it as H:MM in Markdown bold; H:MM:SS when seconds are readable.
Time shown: **11:44**
